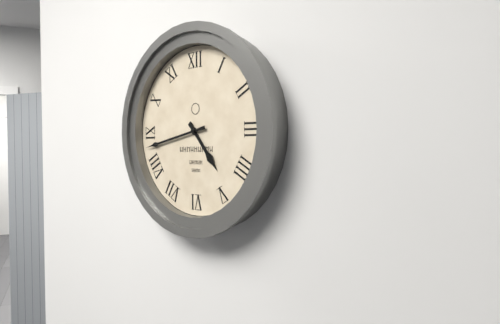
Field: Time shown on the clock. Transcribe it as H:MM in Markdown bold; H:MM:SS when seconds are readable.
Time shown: **4:43**
